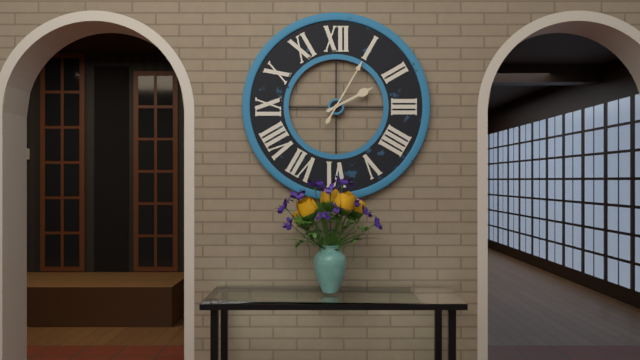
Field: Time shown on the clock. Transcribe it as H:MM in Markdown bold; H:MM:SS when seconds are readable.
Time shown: **2:05**
